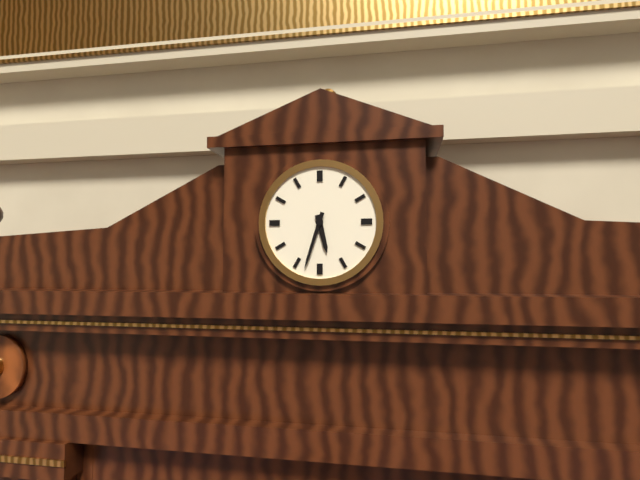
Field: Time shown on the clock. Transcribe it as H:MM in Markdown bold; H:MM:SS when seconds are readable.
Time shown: **5:33**
